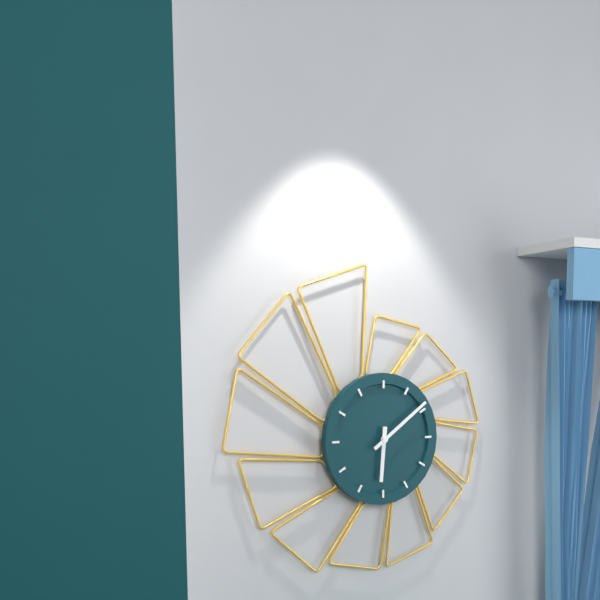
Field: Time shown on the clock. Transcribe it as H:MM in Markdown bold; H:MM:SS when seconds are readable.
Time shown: **6:09**
